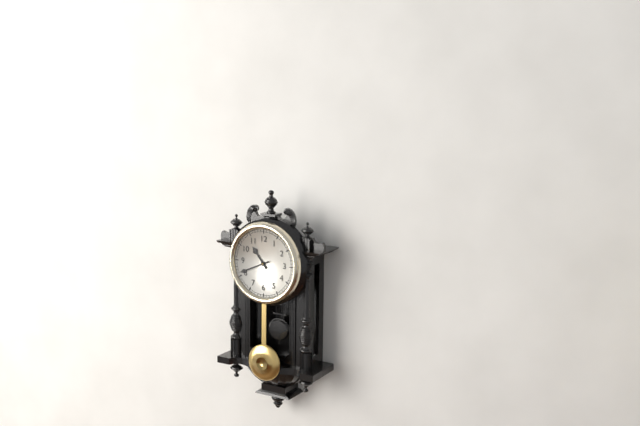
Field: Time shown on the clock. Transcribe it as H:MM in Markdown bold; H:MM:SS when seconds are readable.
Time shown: **10:41**
